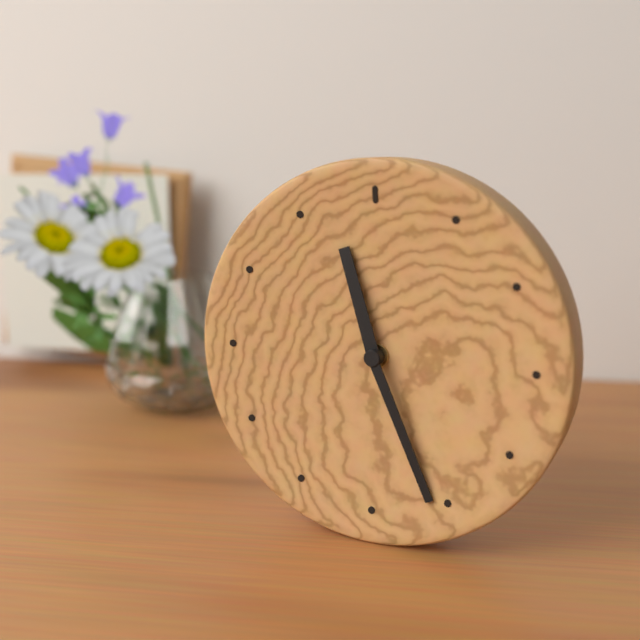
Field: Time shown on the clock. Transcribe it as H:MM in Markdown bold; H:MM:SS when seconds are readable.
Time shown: **11:26**
